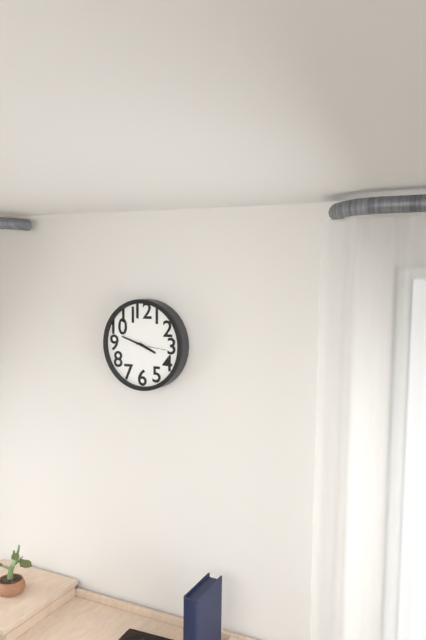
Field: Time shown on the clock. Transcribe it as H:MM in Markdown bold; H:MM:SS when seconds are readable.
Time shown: **3:48**
